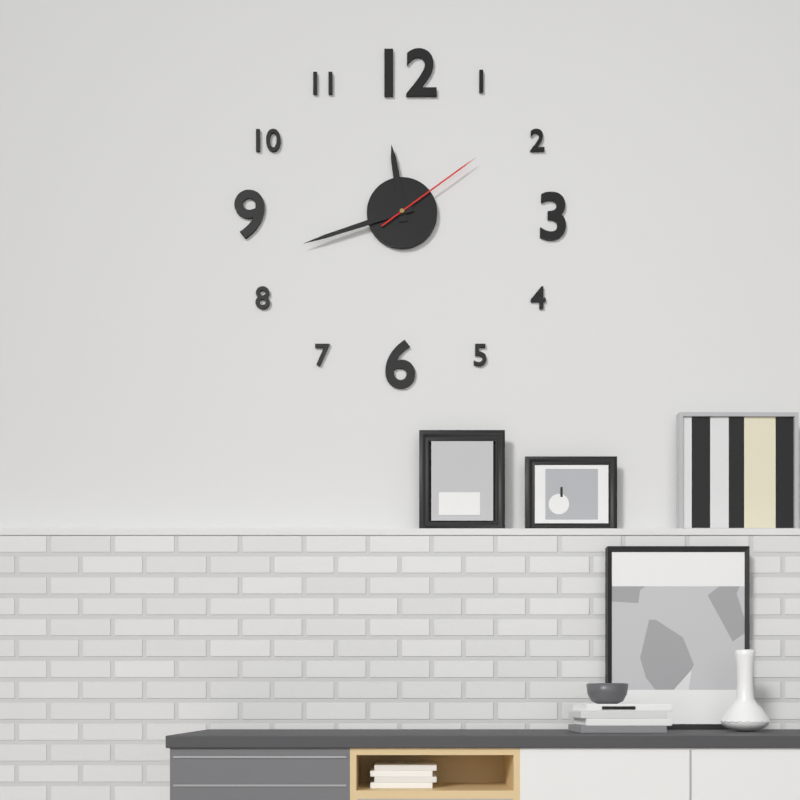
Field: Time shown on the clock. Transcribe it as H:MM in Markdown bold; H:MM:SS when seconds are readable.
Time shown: **11:42:09**
